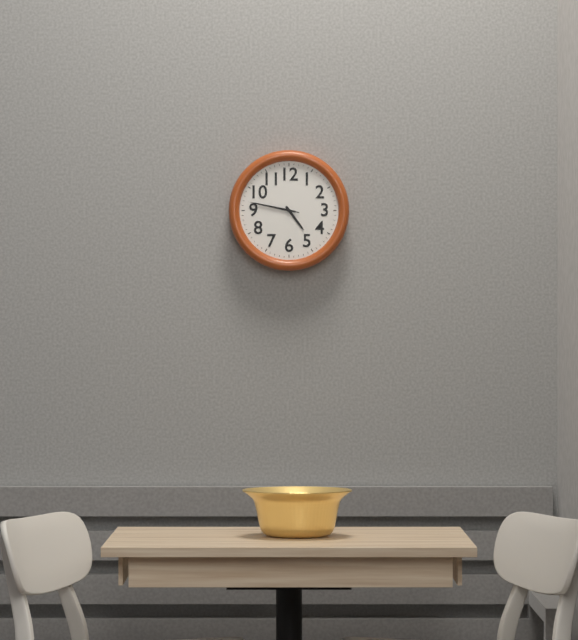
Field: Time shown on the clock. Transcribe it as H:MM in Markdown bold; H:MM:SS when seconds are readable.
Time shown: **4:47:47**
